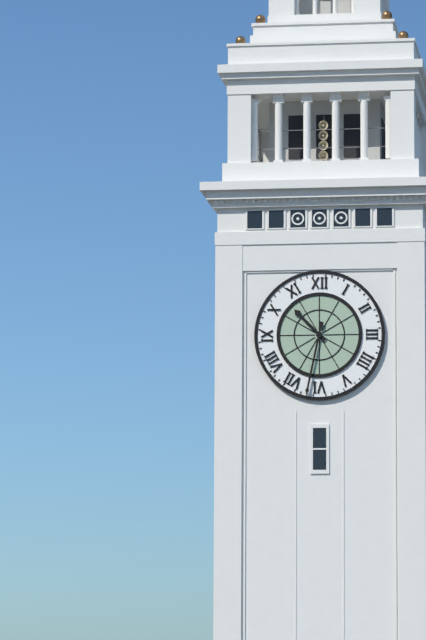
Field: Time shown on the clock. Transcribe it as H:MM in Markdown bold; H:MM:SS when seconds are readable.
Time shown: **10:32**
